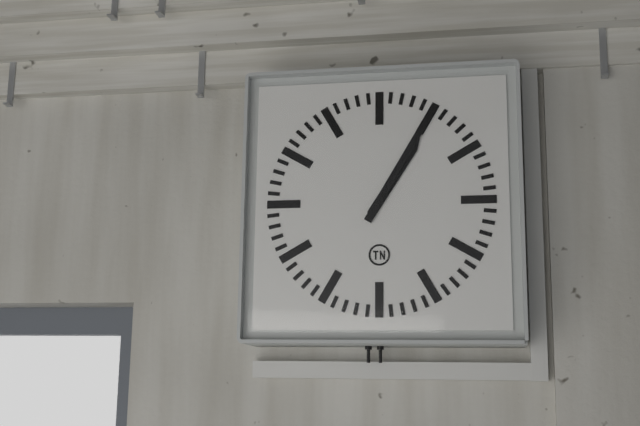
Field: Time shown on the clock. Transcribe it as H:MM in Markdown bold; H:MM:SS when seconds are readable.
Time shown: **1:05**
